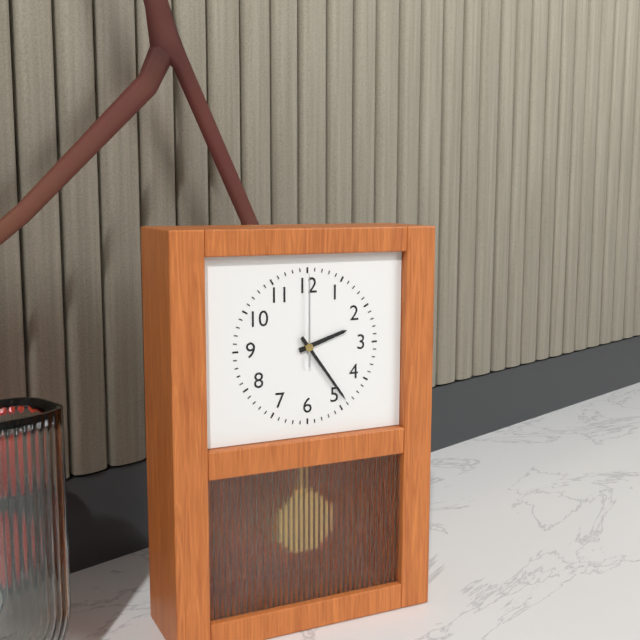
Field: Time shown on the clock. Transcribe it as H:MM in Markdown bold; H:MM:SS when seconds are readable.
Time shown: **2:24:00**
